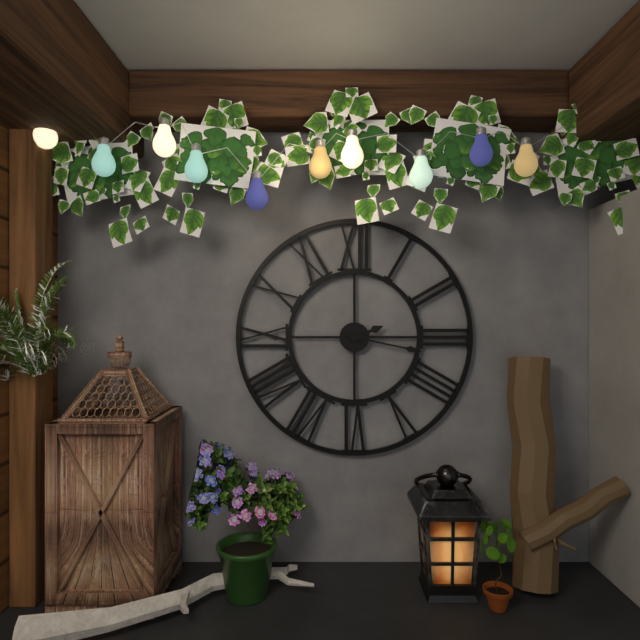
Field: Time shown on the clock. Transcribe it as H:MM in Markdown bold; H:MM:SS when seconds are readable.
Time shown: **2:17**
